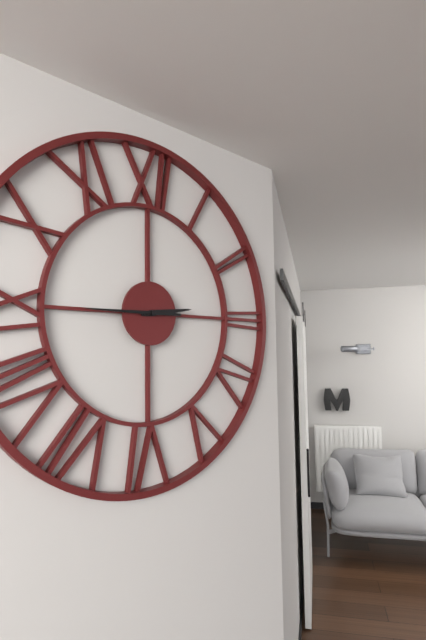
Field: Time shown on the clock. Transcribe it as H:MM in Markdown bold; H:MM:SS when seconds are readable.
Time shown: **2:45**
